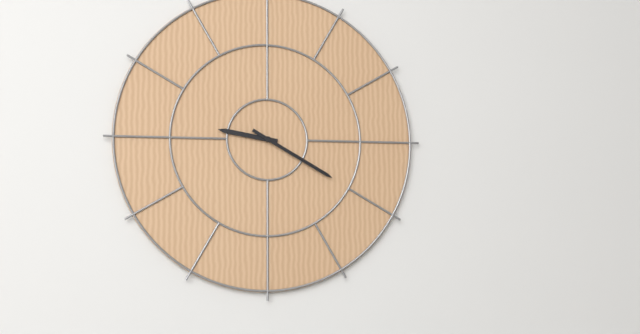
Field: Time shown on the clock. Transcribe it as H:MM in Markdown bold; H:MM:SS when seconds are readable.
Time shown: **9:20**
